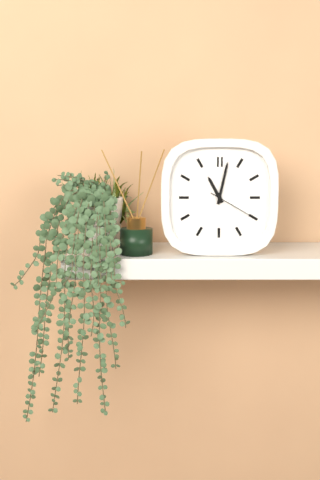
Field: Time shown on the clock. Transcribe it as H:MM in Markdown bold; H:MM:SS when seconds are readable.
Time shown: **11:02:20**
